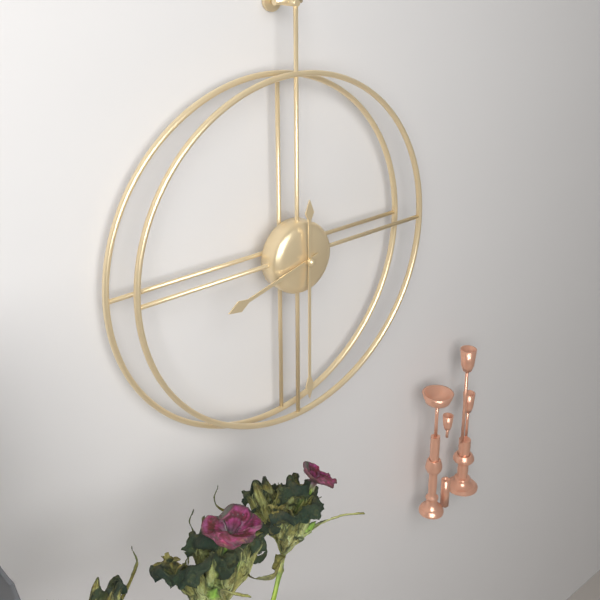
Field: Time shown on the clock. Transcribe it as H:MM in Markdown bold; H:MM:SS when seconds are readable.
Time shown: **8:30**
